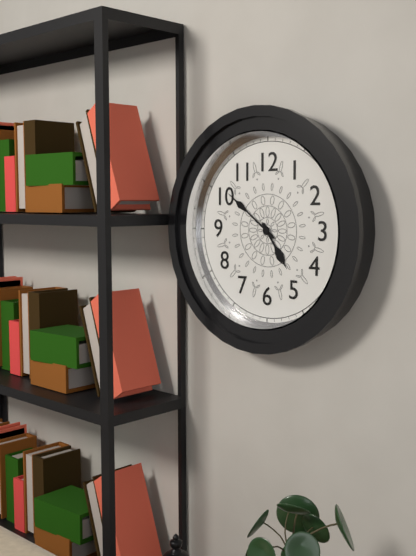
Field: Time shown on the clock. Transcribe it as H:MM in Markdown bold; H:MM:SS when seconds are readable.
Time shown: **4:51**
